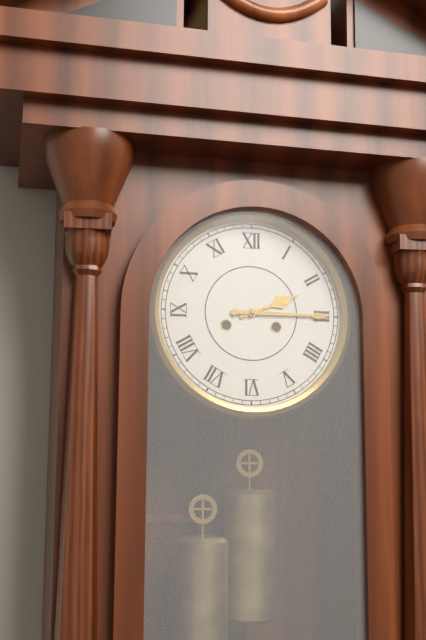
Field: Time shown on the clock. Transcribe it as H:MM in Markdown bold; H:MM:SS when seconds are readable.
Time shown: **2:15**
